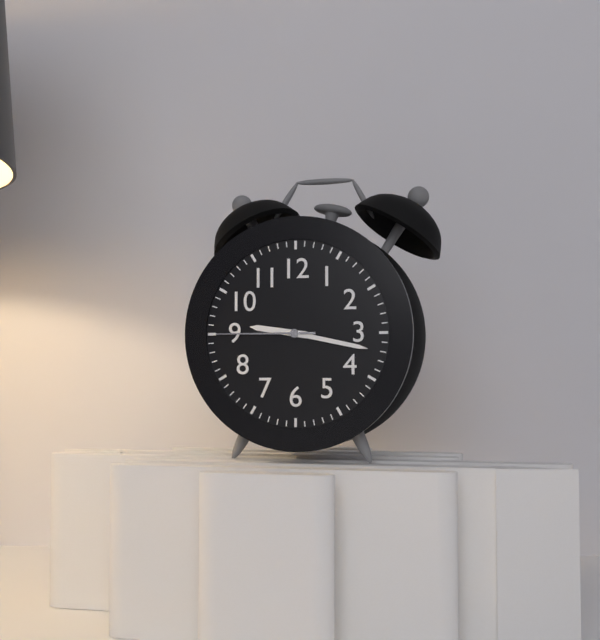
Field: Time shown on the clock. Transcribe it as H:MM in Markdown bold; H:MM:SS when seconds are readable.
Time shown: **9:17:45**
